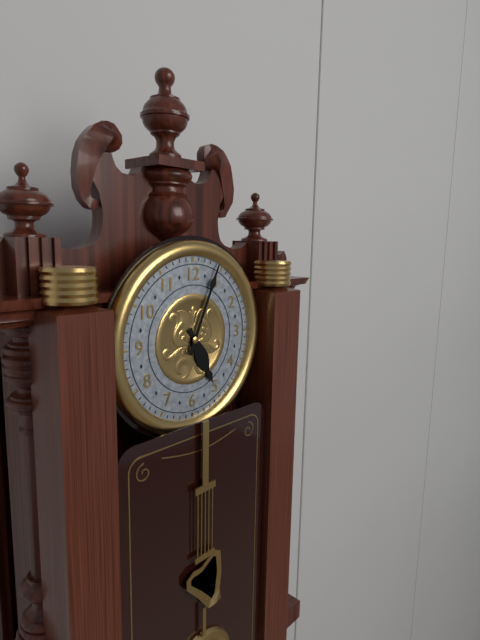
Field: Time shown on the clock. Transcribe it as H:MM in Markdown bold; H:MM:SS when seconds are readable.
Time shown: **5:04**
